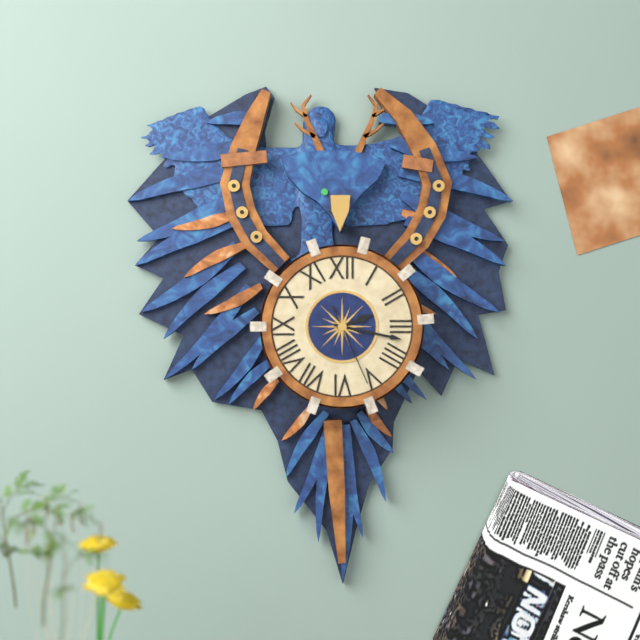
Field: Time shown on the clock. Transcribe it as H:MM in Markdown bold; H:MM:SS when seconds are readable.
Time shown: **2:17:26**
